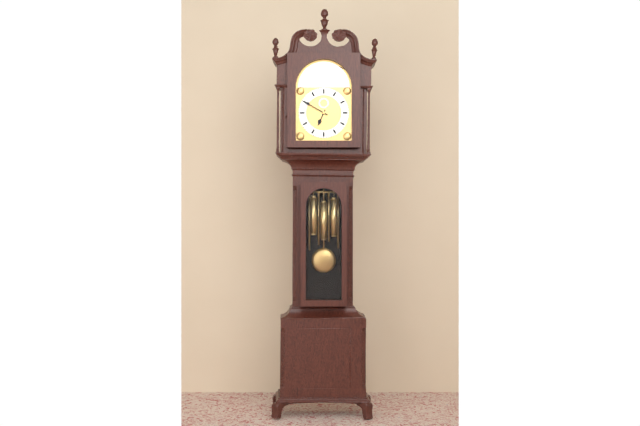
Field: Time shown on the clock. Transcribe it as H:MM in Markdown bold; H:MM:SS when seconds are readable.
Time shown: **6:50**
